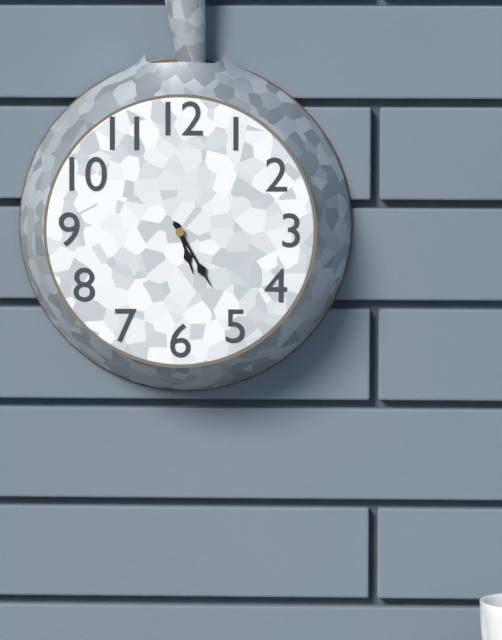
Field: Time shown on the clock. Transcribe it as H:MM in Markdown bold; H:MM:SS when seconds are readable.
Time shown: **5:25**
